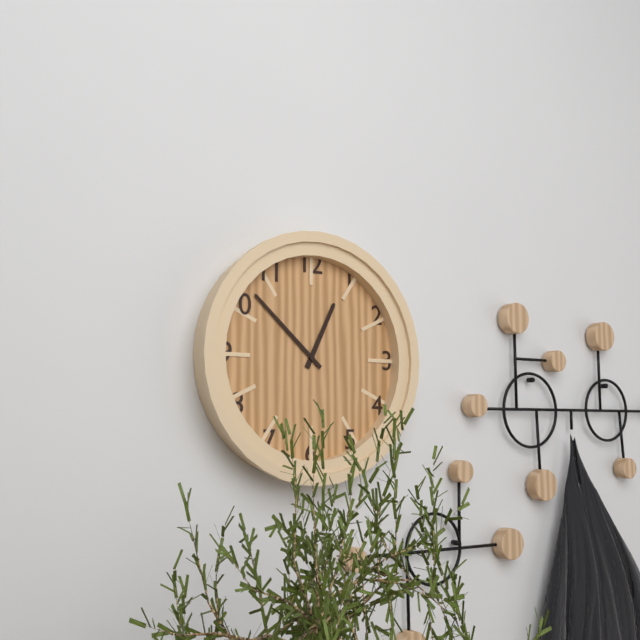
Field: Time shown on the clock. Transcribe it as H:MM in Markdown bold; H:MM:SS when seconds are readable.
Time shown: **12:52**
